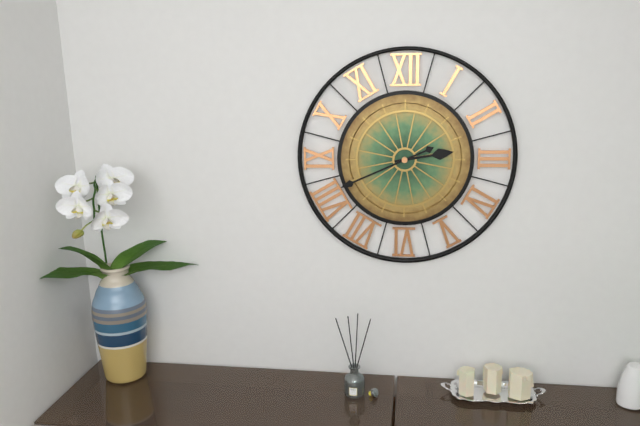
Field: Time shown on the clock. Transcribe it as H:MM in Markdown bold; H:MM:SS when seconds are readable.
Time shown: **2:41**
